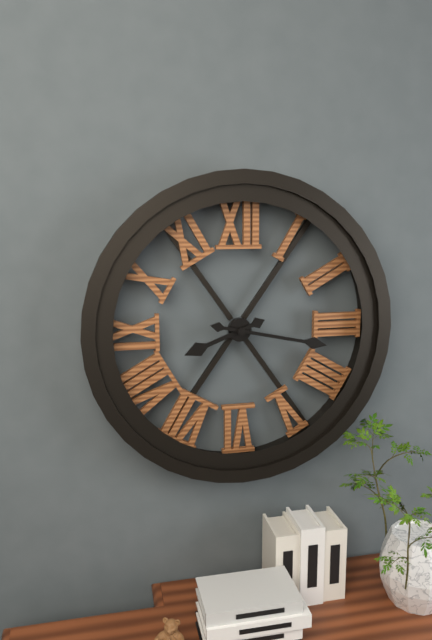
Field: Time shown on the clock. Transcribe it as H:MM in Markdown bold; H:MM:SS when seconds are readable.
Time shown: **8:17**
